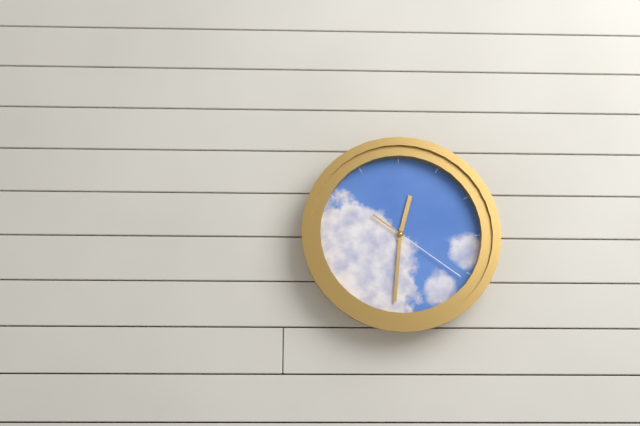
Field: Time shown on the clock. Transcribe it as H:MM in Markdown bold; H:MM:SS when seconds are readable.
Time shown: **12:31:21**
